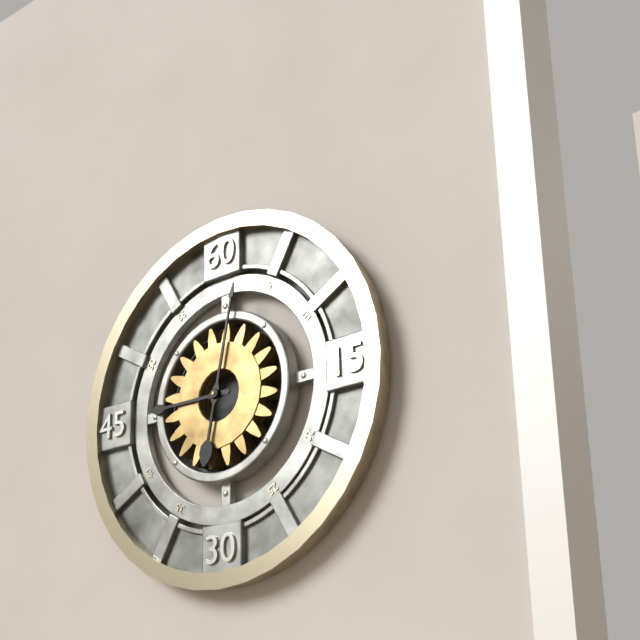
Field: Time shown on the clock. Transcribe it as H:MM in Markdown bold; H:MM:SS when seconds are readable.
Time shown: **9:02**
